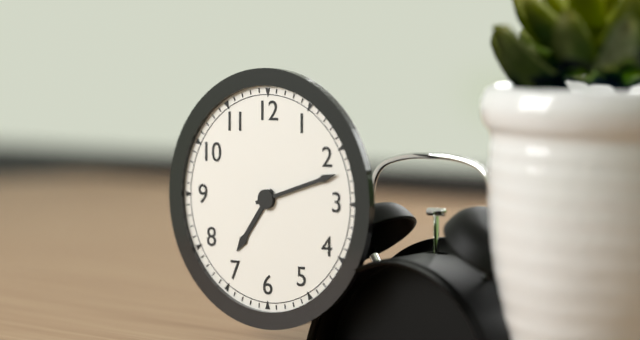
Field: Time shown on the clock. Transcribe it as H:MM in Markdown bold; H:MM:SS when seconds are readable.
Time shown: **7:12**
